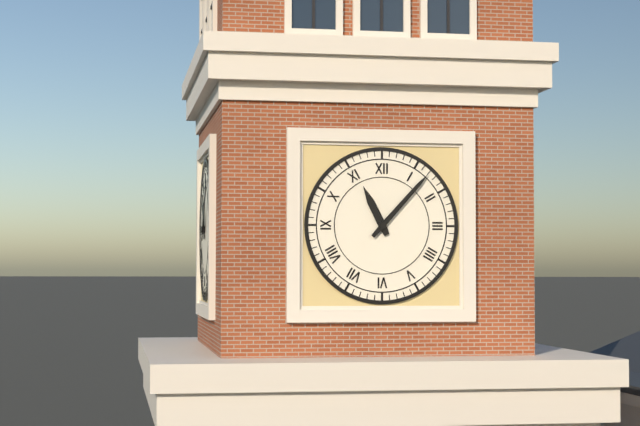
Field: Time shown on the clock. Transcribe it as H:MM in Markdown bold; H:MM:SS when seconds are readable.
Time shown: **11:07**
